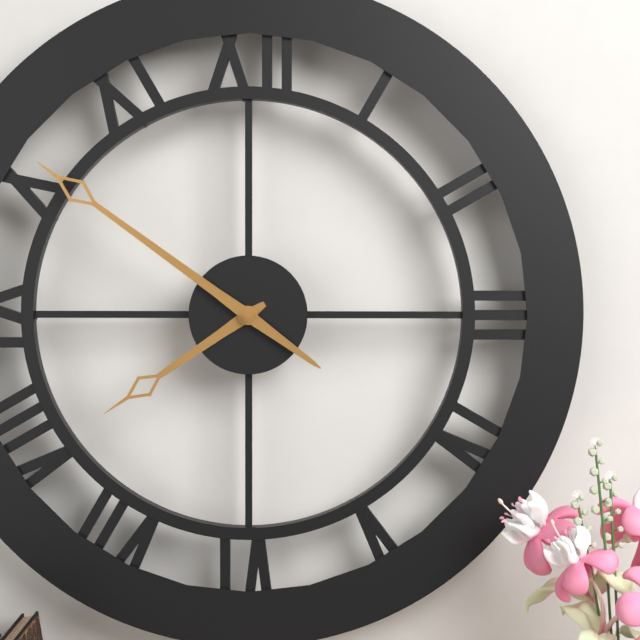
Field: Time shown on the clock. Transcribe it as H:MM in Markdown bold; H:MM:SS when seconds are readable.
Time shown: **7:51**
